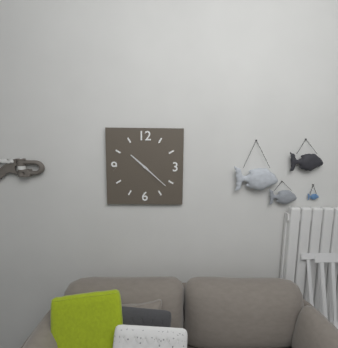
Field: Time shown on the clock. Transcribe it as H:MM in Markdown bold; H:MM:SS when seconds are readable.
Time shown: **10:22**
